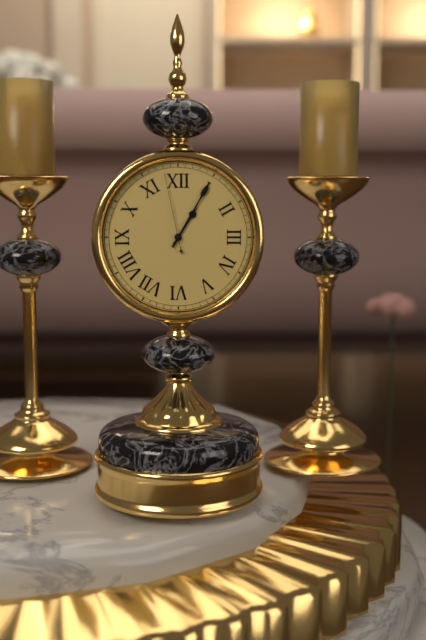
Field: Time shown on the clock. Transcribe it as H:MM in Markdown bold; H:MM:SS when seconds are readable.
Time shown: **1:05:58**
